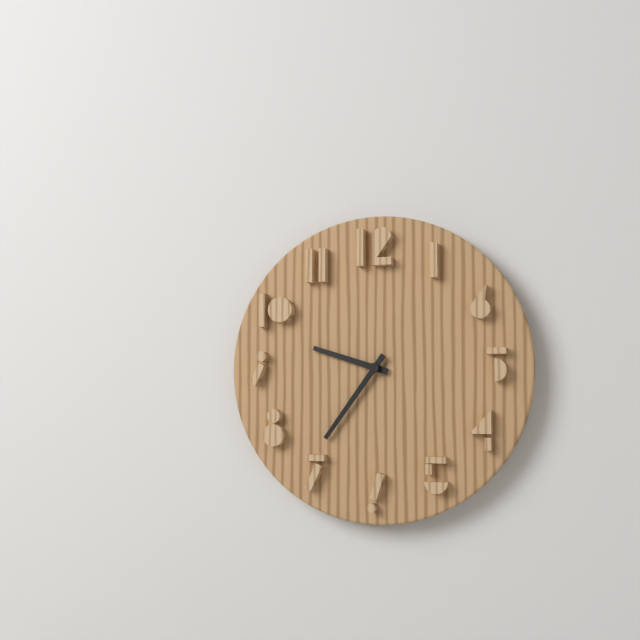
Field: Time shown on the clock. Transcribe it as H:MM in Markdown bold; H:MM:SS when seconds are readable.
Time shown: **9:36**
